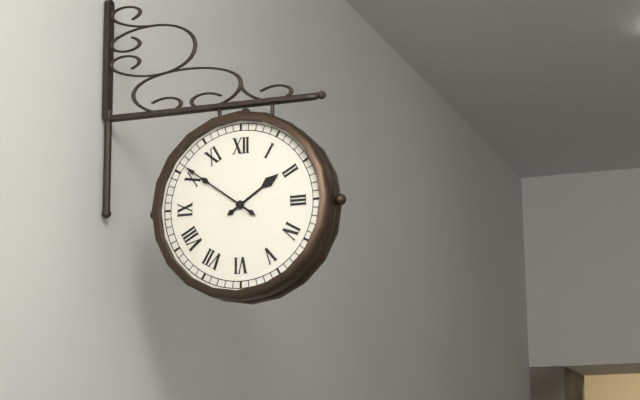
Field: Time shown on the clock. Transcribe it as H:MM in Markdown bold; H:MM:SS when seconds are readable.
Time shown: **1:51**
